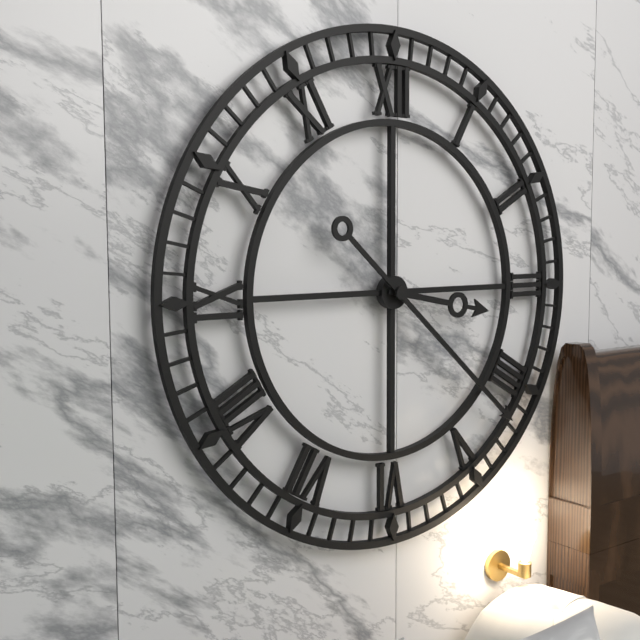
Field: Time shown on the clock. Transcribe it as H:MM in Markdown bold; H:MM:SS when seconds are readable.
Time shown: **3:22**
